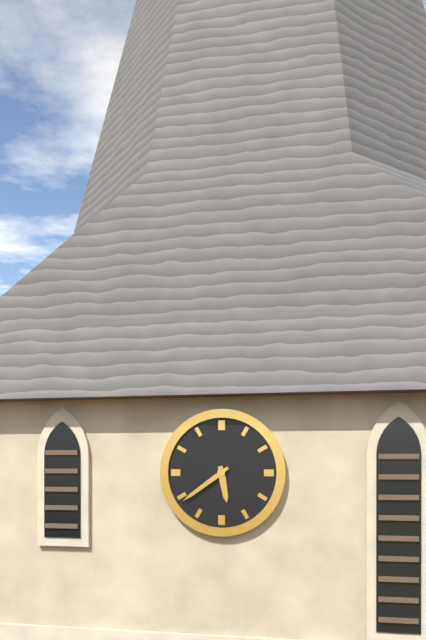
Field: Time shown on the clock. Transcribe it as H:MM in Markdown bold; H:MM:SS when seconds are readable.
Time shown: **5:39**
